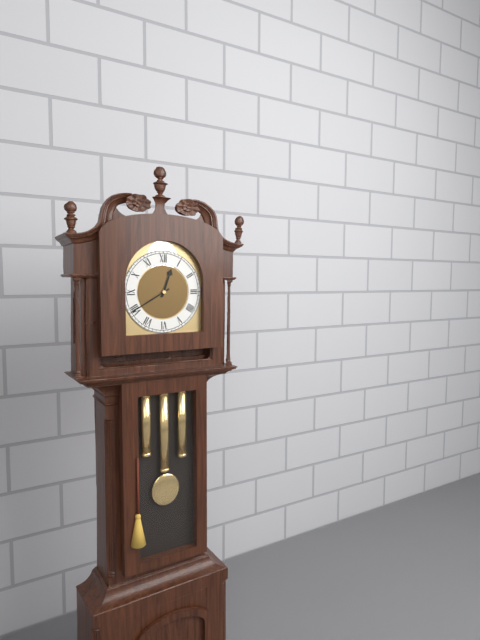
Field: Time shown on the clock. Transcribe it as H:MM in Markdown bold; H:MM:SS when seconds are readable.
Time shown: **12:40**
